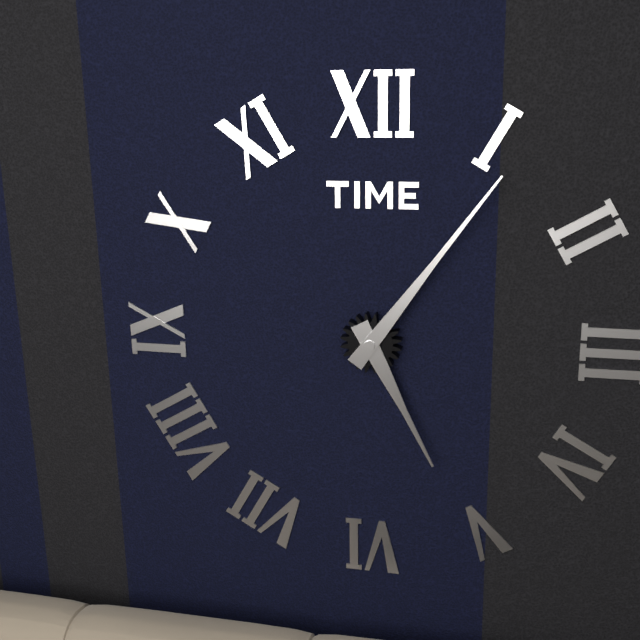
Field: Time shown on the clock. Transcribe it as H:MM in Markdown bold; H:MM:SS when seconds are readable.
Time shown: **5:06**
